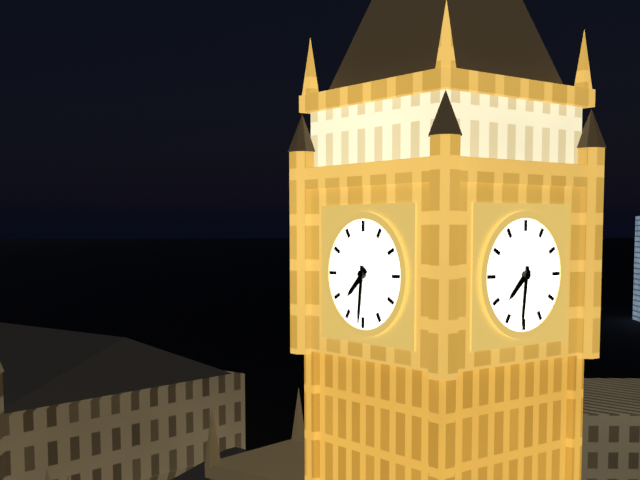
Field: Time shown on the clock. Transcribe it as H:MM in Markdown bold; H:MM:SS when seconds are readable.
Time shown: **7:31**
